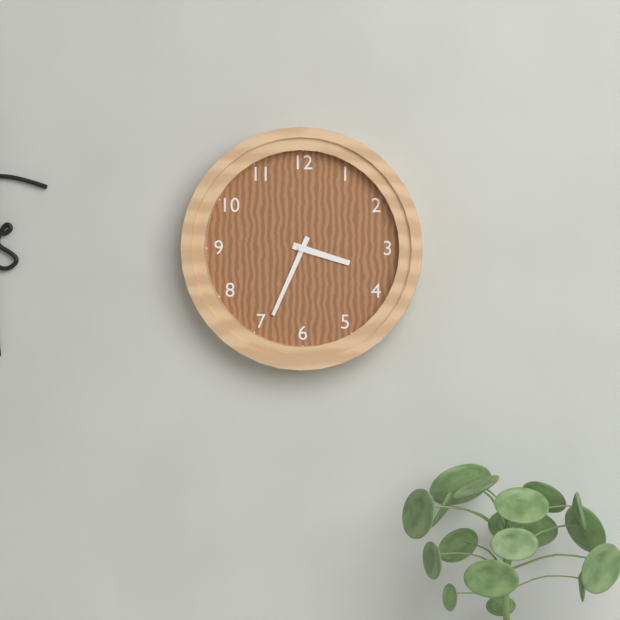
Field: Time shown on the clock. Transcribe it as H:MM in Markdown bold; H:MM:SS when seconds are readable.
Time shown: **3:34**
